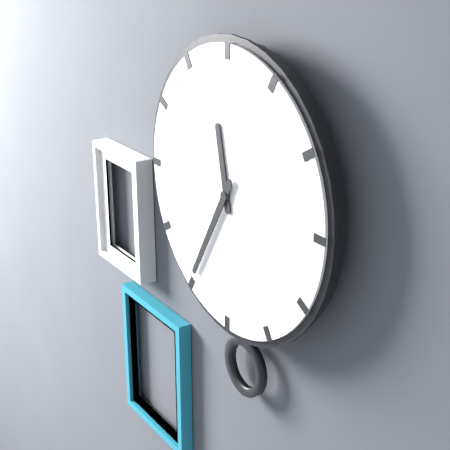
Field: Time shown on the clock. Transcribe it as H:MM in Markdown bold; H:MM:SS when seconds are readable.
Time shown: **11:35**
